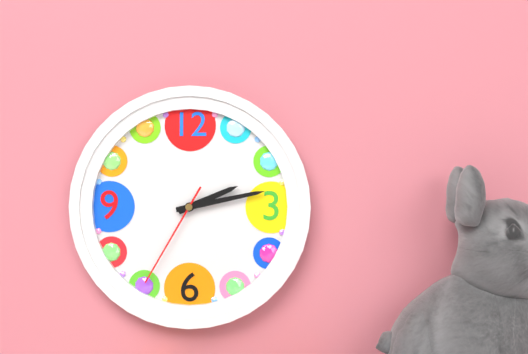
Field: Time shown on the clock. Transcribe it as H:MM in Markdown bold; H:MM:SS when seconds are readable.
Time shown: **2:13:35**
